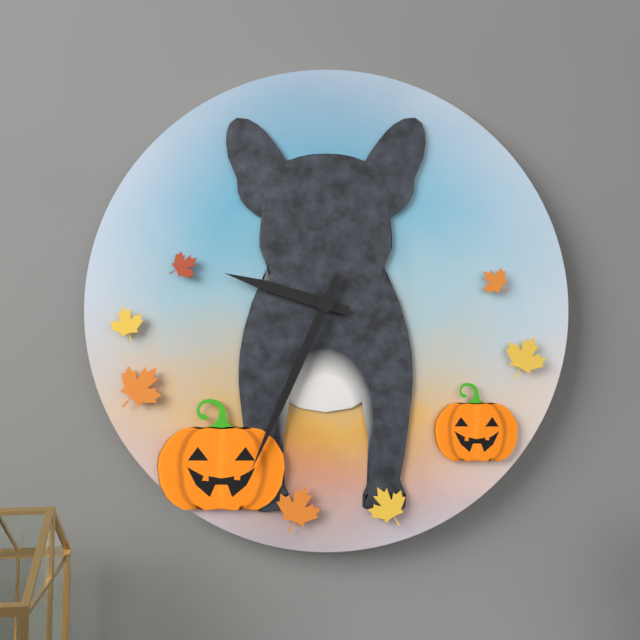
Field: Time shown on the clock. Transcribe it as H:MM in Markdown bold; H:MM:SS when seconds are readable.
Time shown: **9:34**
